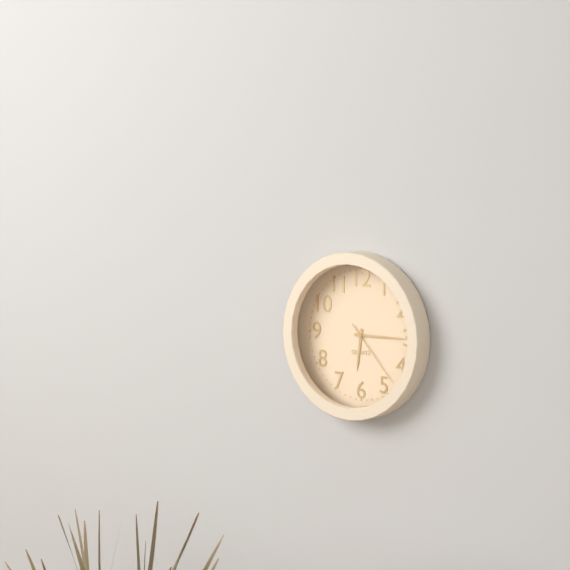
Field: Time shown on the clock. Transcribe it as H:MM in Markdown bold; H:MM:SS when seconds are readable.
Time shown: **6:15:23**
